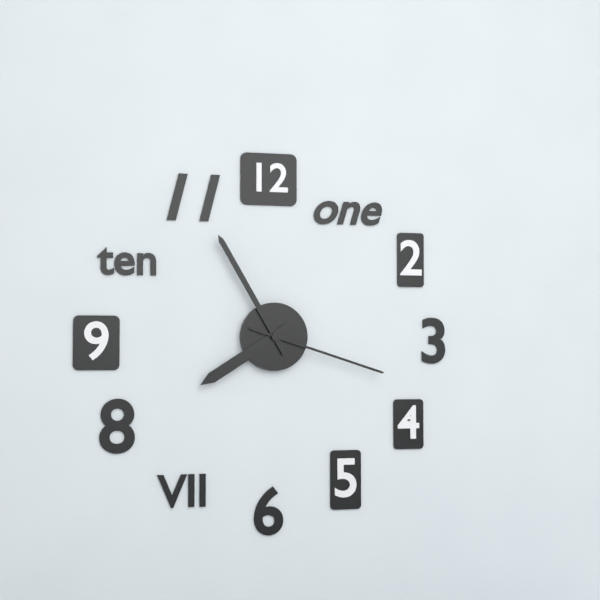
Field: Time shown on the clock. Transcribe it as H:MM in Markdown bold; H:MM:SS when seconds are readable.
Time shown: **7:55:18**
